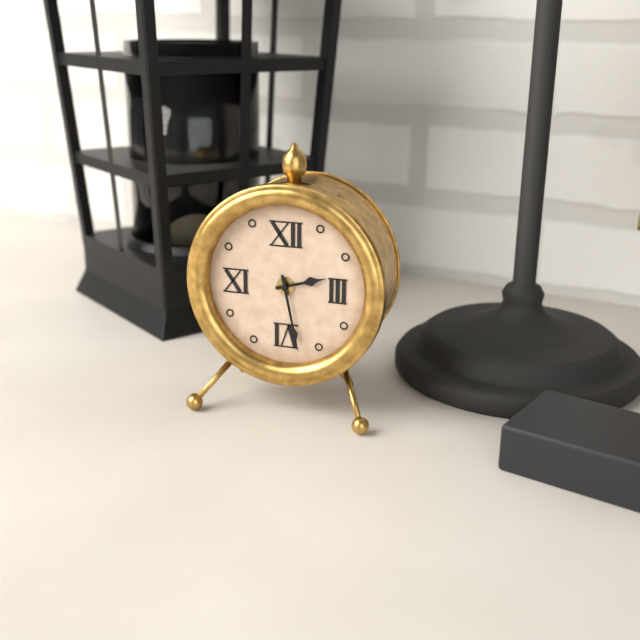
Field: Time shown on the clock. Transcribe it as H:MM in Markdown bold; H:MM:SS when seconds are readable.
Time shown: **2:28**
